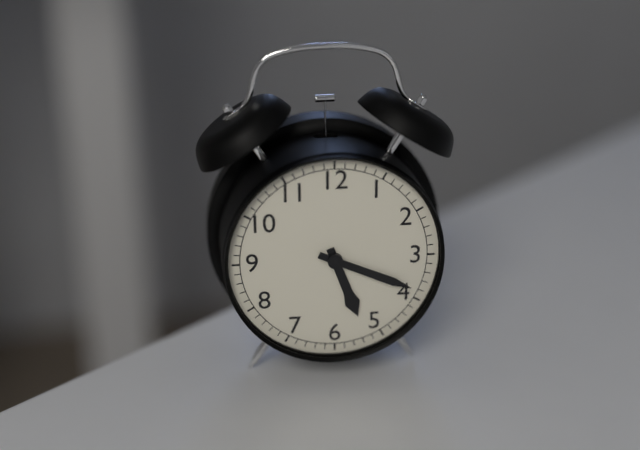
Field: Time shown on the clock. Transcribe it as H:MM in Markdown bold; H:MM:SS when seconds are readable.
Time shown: **5:19**
